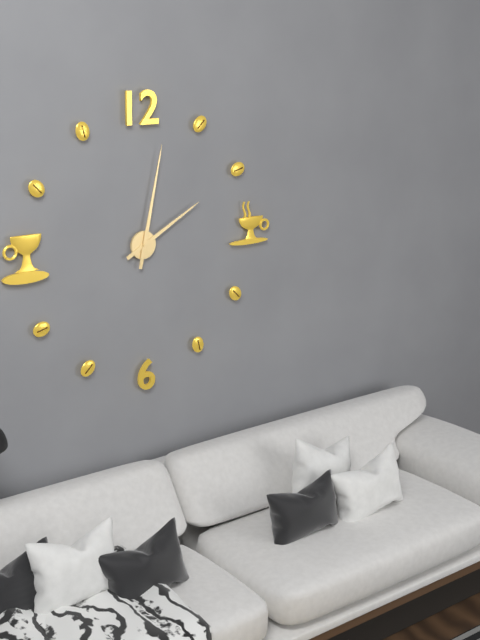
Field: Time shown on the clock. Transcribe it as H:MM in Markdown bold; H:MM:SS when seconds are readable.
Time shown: **2:02**
